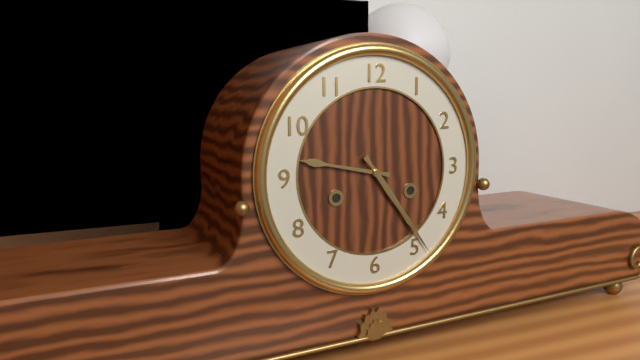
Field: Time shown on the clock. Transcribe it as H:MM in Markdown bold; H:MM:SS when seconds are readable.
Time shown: **9:24**
